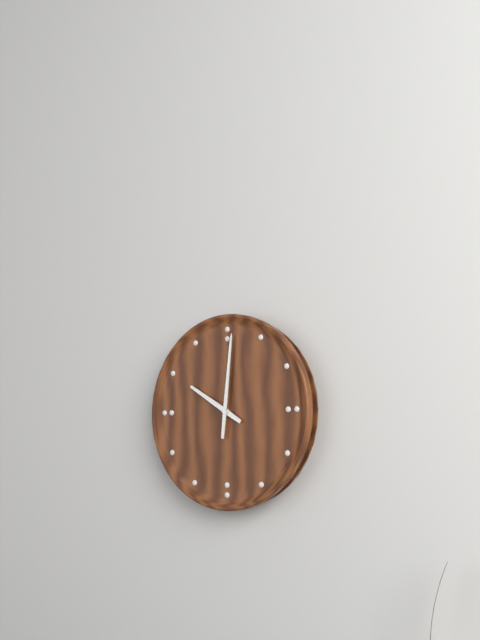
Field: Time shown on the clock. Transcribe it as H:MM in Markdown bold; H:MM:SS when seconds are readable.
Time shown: **10:01**
